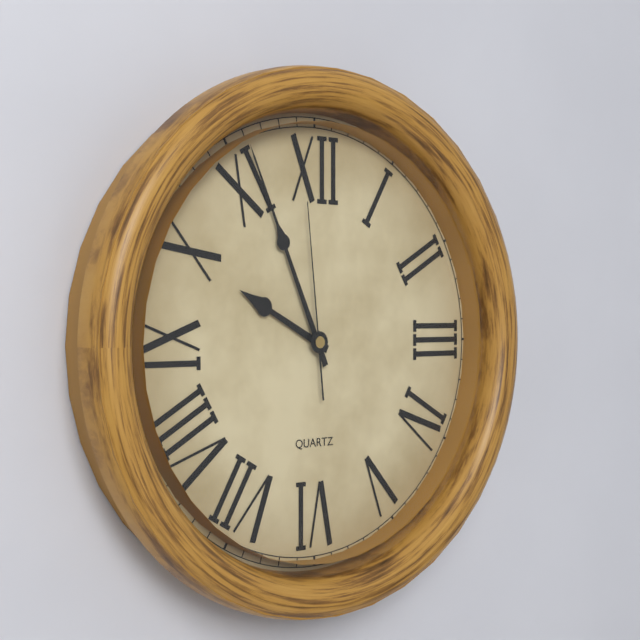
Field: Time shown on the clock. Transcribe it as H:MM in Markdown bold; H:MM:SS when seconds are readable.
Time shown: **9:56:59**
